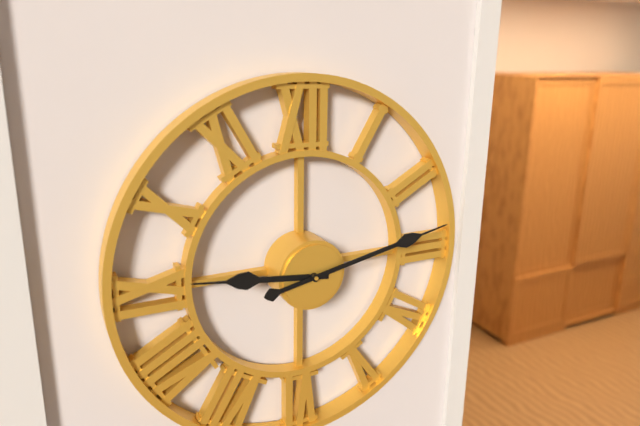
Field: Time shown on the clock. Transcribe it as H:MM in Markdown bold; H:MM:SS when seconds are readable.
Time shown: **9:13**
